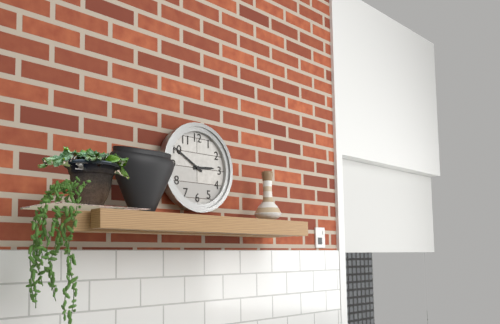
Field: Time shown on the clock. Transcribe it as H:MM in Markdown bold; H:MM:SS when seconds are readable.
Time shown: **2:50**
